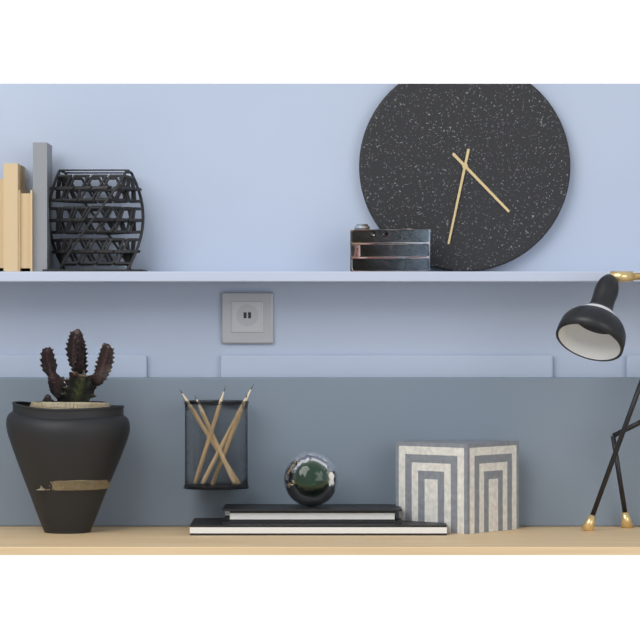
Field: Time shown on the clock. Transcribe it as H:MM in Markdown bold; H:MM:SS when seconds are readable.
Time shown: **4:32**
